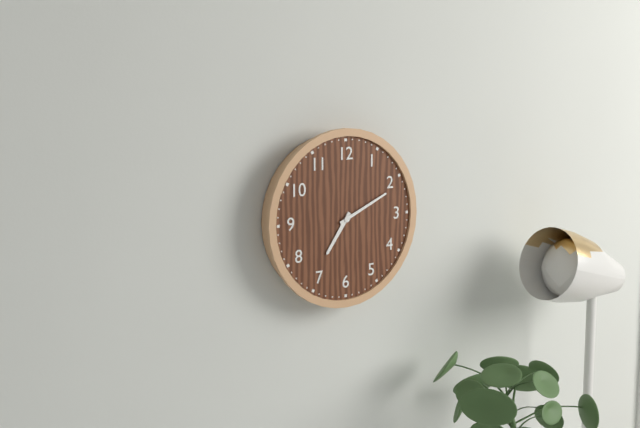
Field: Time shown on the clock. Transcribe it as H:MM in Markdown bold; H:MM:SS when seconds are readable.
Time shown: **7:11**
